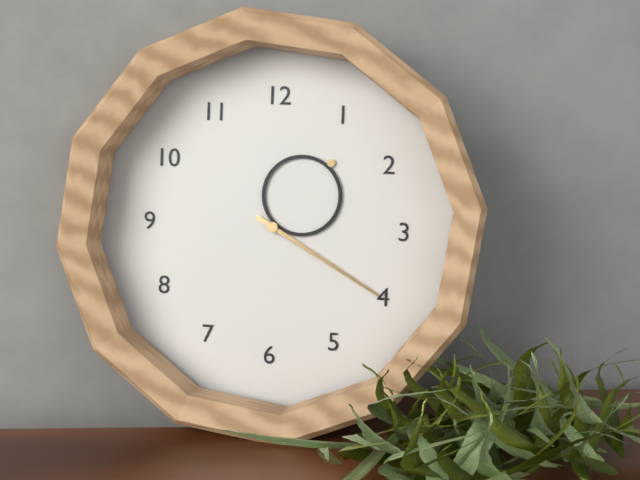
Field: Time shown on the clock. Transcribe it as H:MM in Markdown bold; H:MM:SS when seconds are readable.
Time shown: **1:20**
